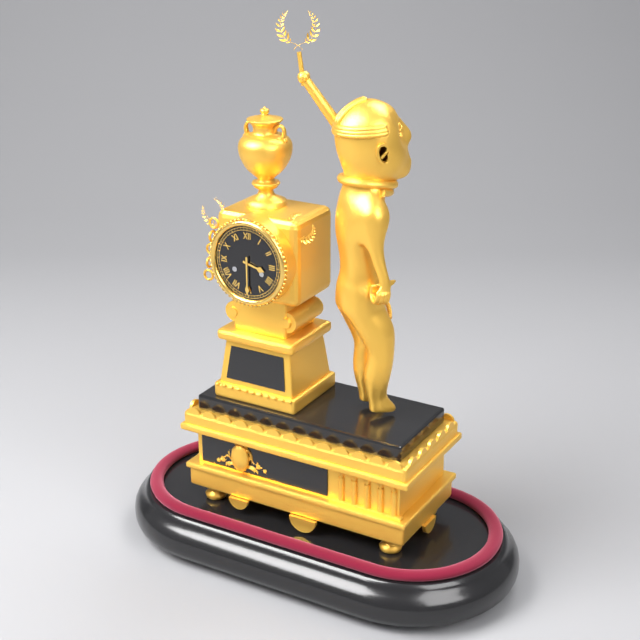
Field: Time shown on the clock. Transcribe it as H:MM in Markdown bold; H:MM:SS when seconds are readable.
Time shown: **3:30**
